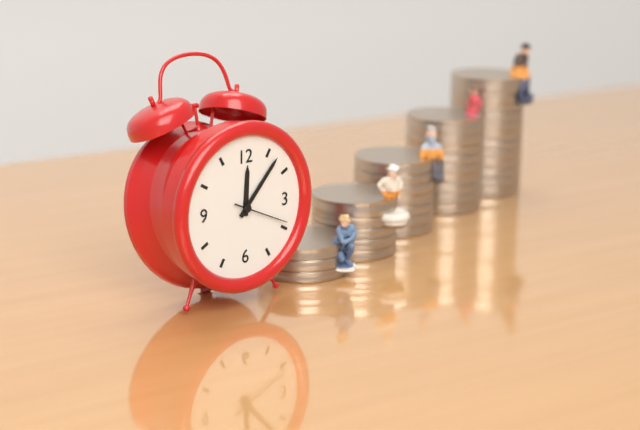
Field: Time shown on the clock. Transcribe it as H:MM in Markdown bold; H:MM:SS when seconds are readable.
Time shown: **12:07:19**
